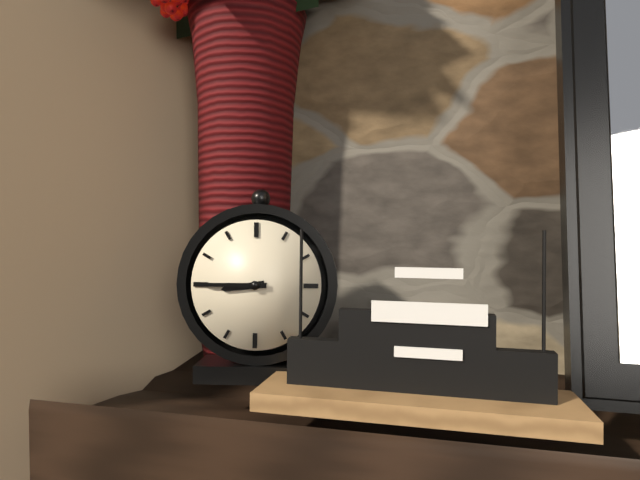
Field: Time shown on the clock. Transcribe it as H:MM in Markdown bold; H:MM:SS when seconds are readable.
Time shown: **8:45**
